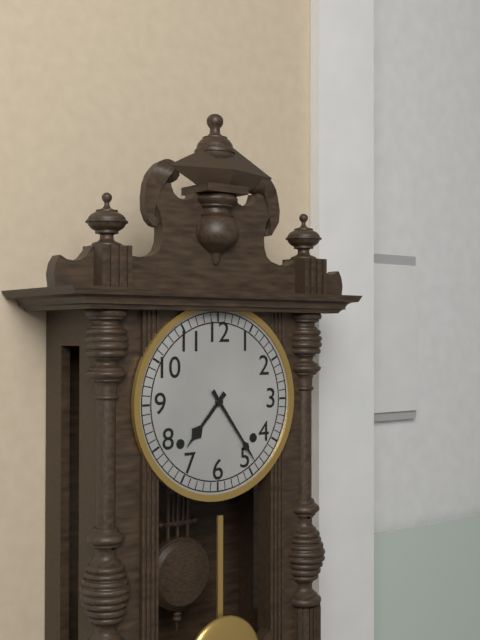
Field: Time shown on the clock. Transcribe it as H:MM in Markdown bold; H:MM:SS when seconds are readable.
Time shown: **7:24**
